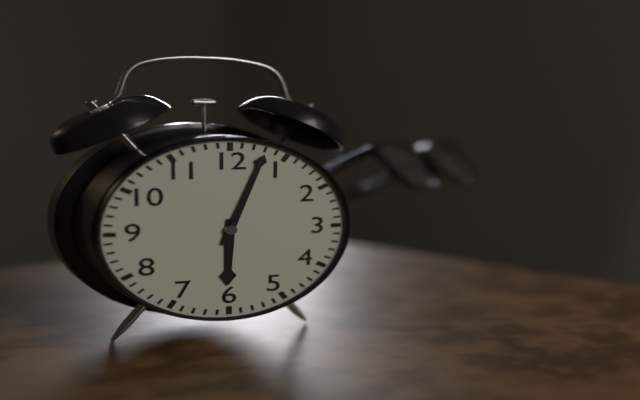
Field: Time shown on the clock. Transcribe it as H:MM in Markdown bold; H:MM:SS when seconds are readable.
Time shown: **6:03**
